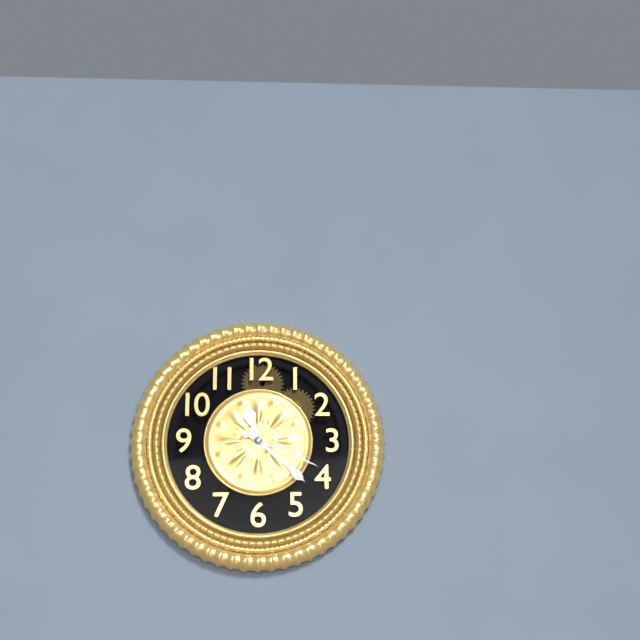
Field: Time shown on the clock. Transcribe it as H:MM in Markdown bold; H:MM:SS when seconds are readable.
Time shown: **11:22:19**
